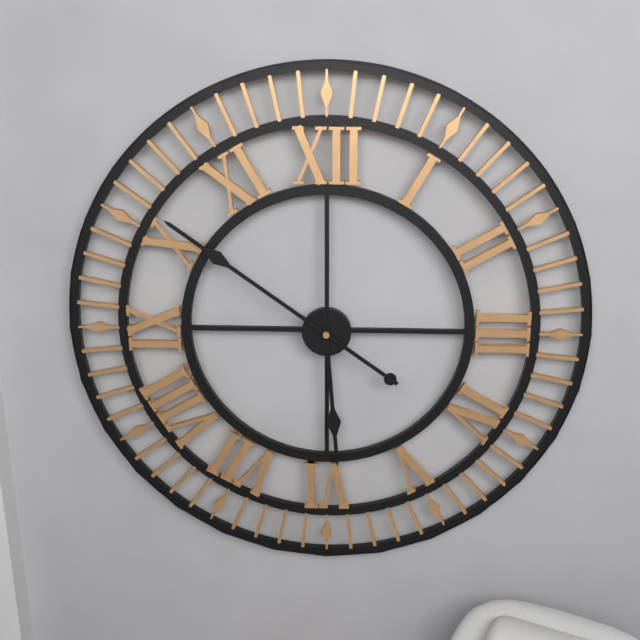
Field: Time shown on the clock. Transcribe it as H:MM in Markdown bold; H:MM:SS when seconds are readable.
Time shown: **5:51**
